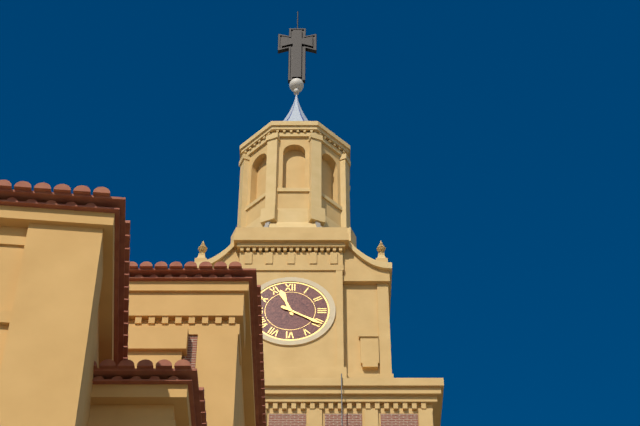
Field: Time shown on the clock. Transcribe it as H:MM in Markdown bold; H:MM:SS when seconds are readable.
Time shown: **11:20**
